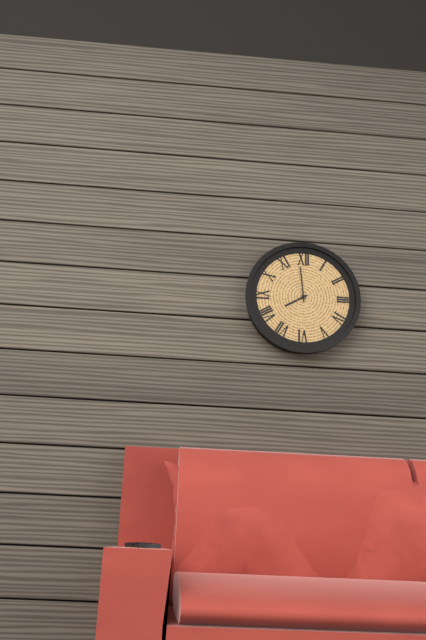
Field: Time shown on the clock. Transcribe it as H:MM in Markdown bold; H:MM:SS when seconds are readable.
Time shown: **7:59**
